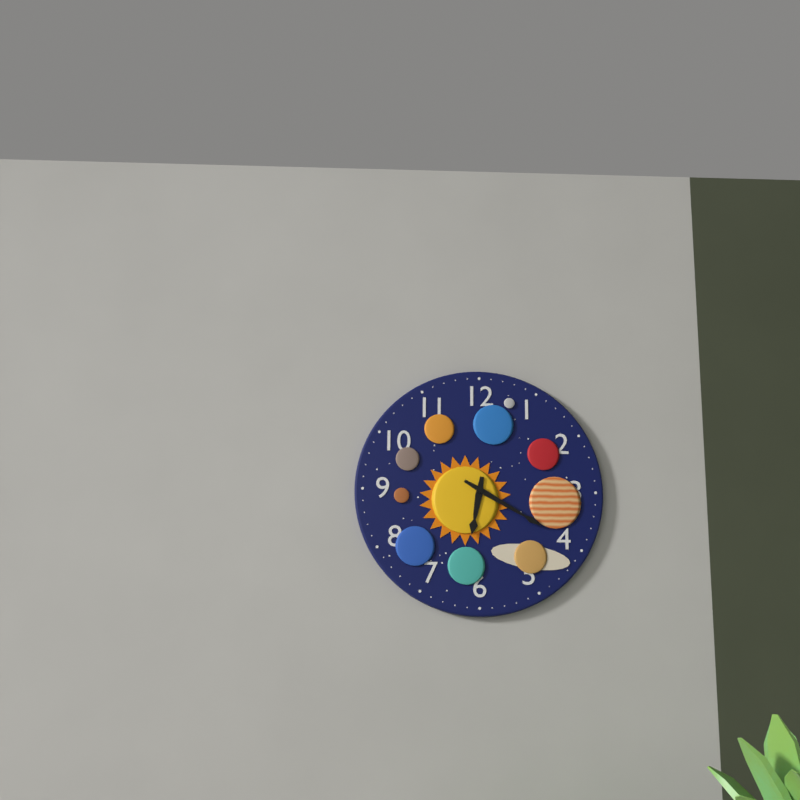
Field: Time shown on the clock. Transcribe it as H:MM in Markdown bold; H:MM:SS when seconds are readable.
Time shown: **6:20**
